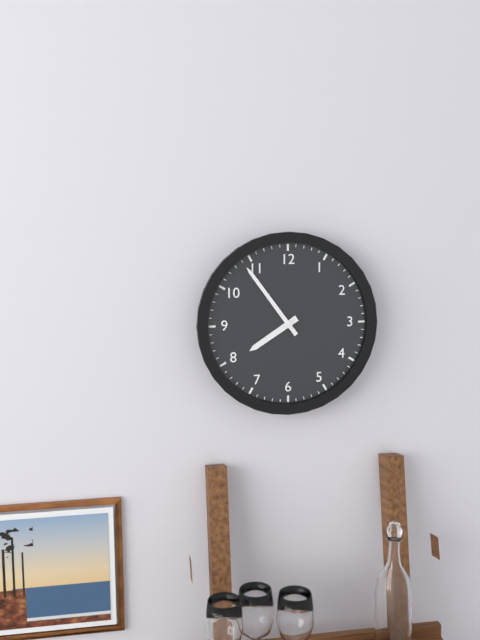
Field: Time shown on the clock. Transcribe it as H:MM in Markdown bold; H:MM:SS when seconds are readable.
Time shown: **7:54**
